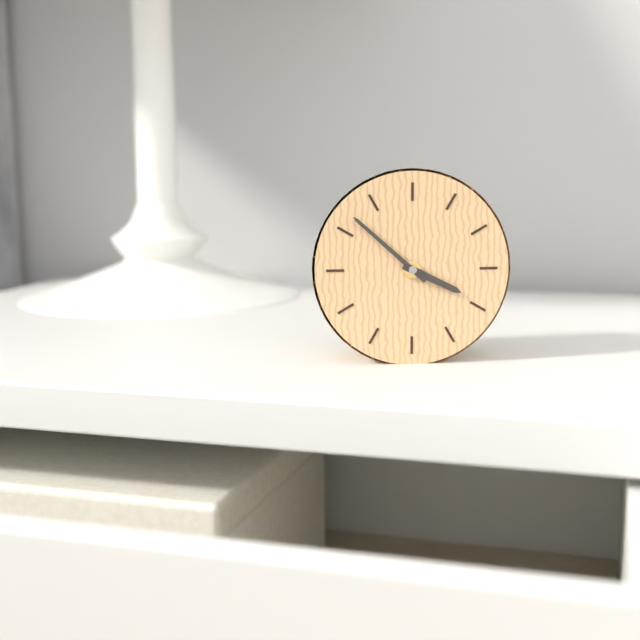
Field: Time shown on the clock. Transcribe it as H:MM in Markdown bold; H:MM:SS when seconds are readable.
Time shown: **3:52**
